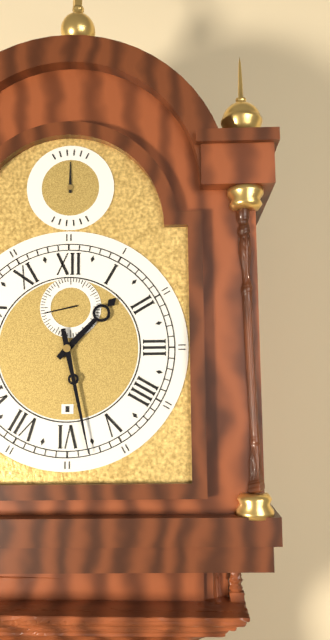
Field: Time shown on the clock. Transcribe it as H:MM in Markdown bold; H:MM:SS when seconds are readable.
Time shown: **1:28**
